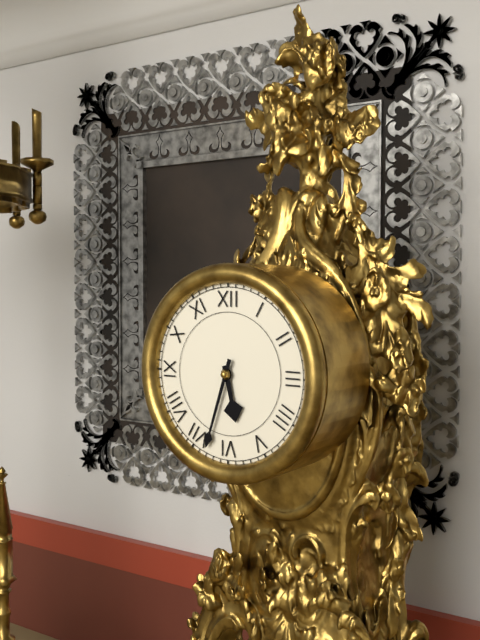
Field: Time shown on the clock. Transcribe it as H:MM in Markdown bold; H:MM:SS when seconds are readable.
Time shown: **5:33**
